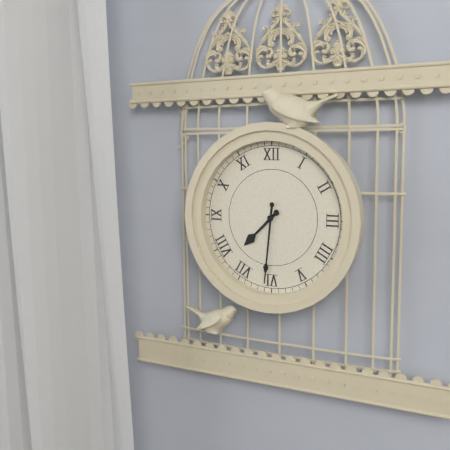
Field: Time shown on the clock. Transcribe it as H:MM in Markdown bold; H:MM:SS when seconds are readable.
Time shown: **7:31**
